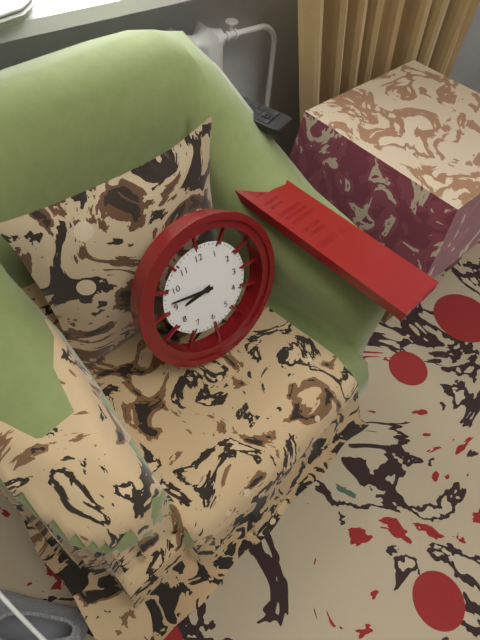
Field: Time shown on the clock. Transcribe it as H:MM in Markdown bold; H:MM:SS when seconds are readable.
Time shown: **8:47**
